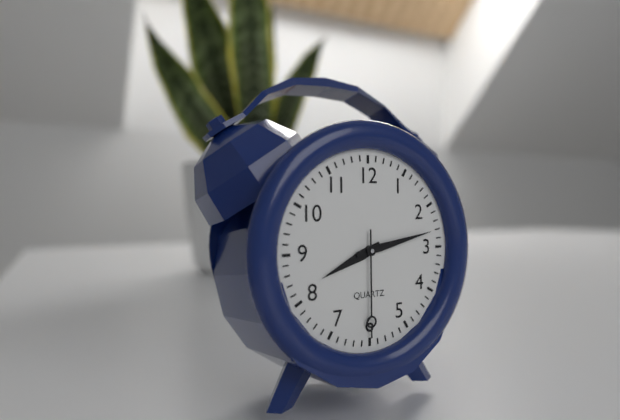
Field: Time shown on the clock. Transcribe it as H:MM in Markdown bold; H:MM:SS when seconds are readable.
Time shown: **8:13:30**
